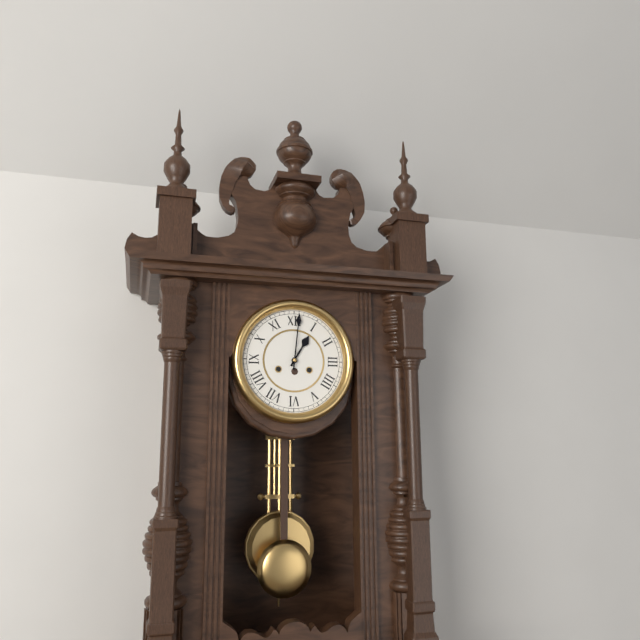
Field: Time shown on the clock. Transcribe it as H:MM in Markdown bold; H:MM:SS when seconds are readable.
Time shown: **1:01**
